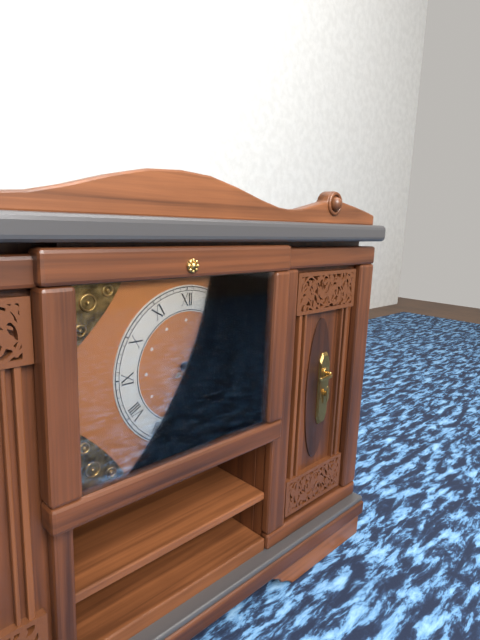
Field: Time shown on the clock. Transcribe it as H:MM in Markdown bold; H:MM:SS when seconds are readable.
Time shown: **3:15:11**
